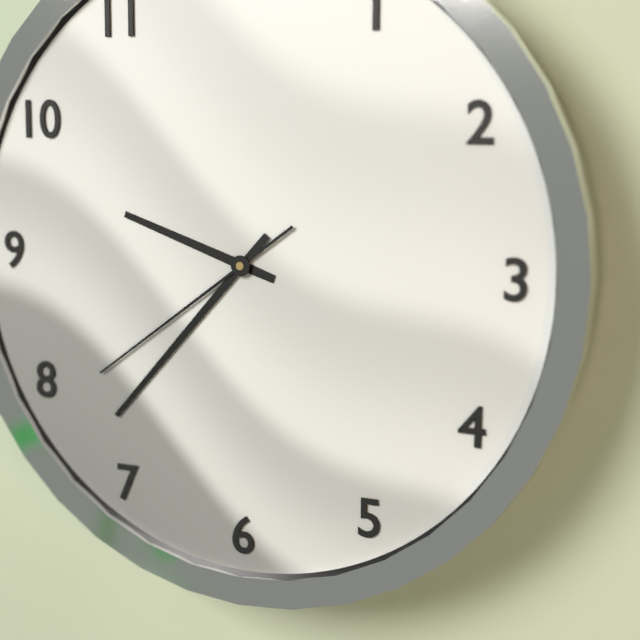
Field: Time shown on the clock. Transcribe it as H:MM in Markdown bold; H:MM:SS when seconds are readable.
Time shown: **9:37:39**
